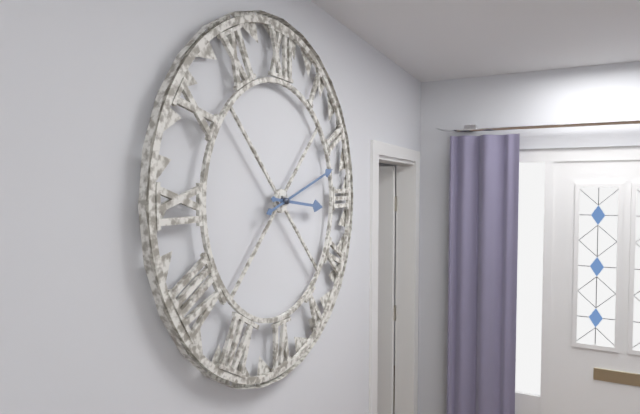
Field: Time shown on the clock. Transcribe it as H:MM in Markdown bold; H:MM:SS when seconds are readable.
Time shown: **3:12**
